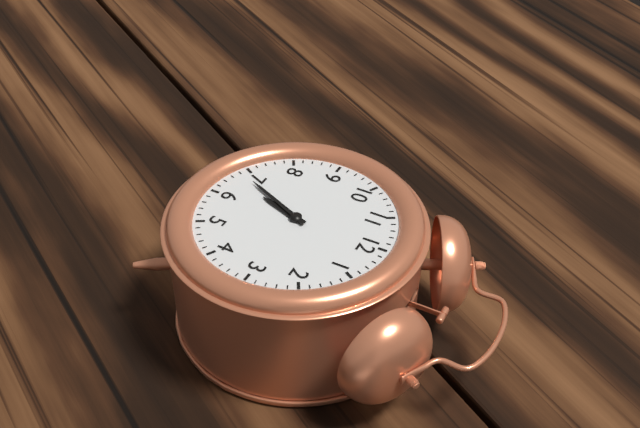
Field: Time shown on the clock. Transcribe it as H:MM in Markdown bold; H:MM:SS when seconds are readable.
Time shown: **6:34**
